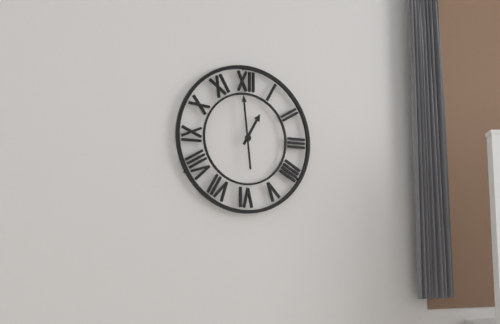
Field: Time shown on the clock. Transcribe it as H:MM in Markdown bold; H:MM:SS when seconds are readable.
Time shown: **12:59**
